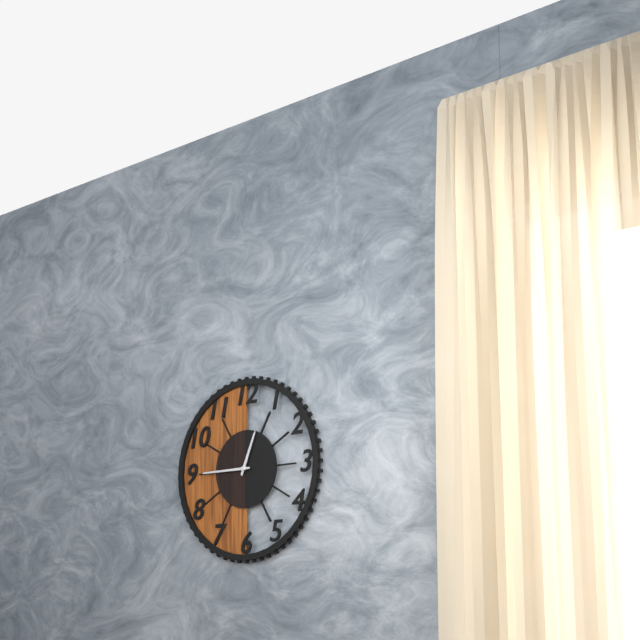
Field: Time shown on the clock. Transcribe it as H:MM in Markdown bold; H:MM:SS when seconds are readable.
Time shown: **12:45**
